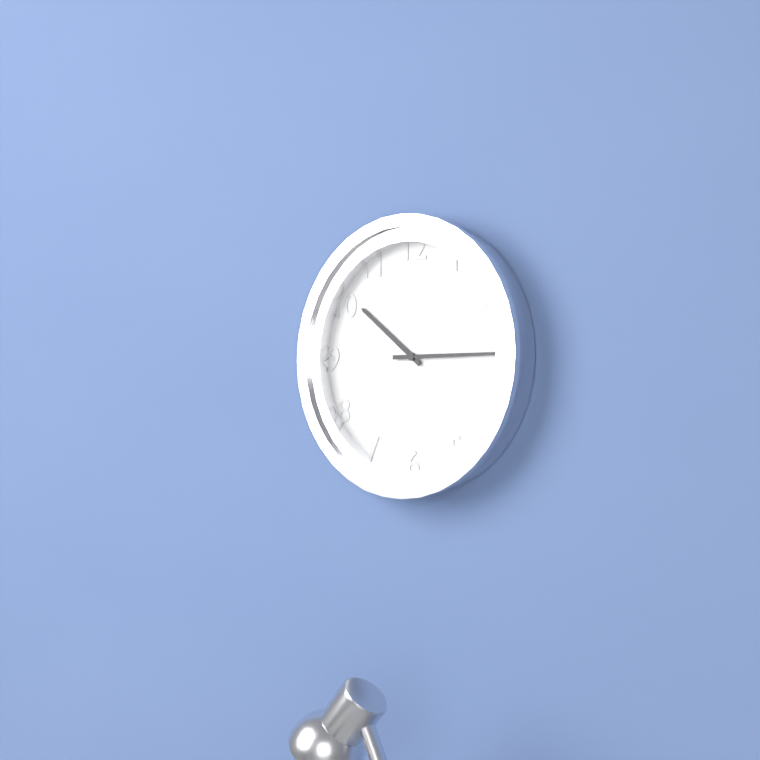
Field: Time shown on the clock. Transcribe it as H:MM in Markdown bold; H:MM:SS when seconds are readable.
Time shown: **10:15**
